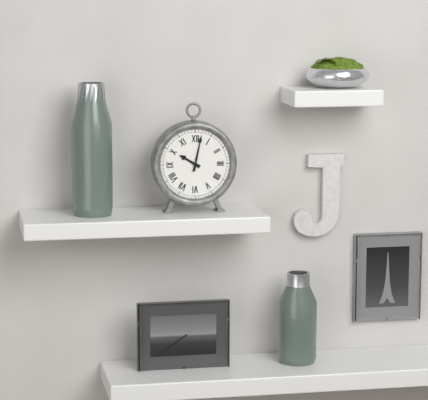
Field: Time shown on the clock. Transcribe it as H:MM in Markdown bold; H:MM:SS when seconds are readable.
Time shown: **10:02**
